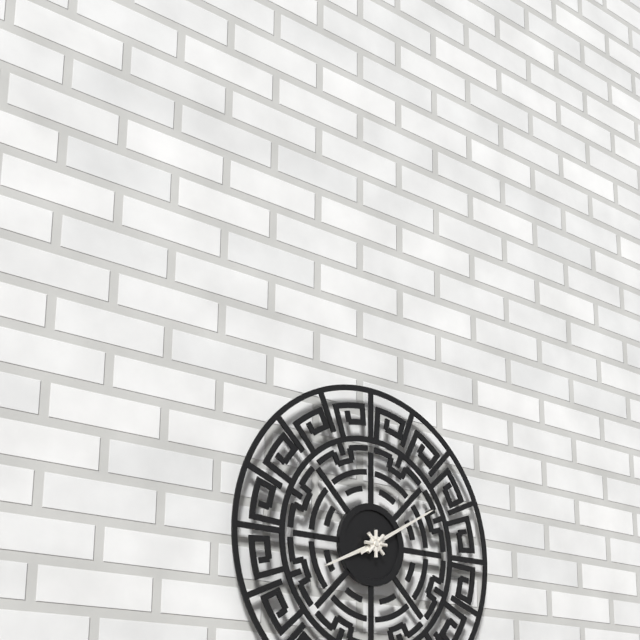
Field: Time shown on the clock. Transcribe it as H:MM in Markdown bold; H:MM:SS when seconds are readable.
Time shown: **8:10**
